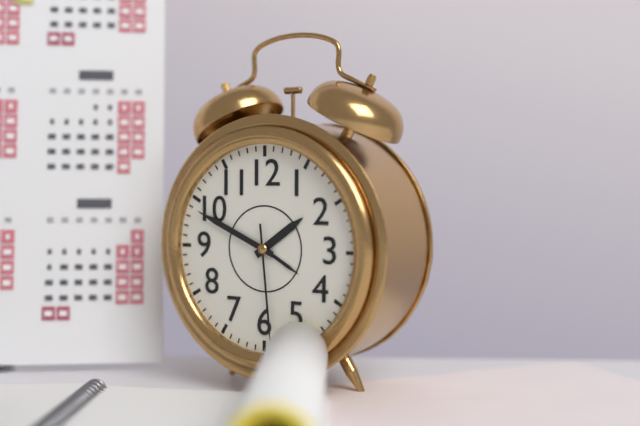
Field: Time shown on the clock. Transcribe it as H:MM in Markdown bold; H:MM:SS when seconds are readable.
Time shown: **1:49:29**
